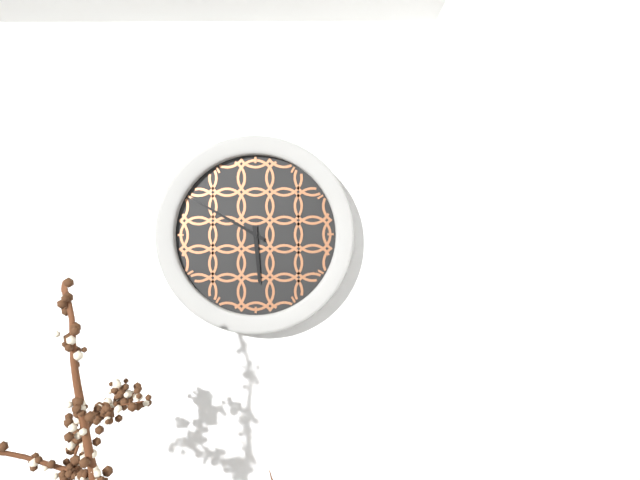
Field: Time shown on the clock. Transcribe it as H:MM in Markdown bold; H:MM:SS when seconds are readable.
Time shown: **5:50**
